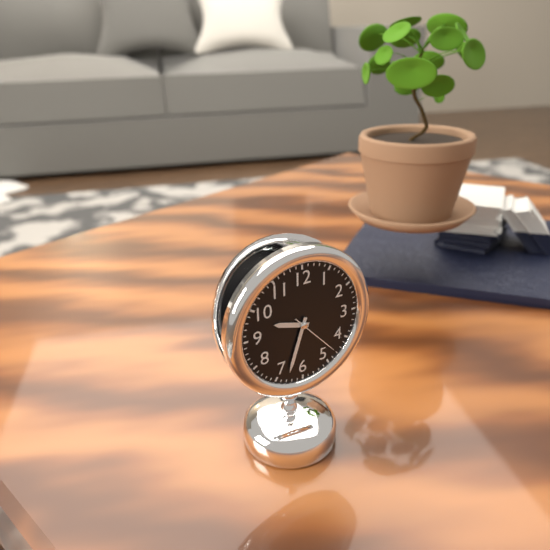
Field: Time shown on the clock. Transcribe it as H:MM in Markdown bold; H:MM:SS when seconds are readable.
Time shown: **9:33**
